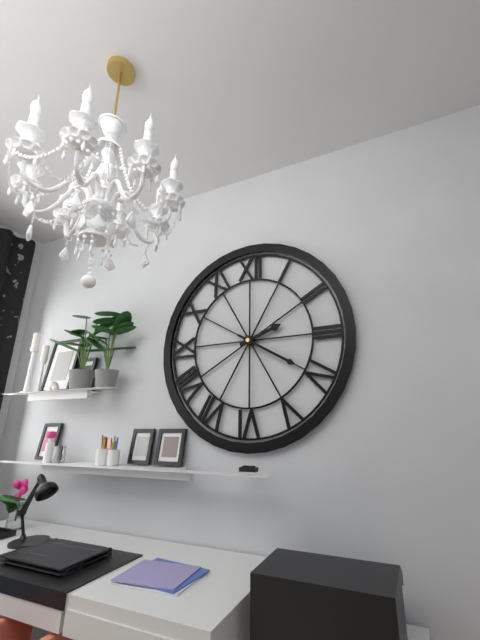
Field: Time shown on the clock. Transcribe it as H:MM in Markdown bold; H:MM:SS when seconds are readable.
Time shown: **2:20**
